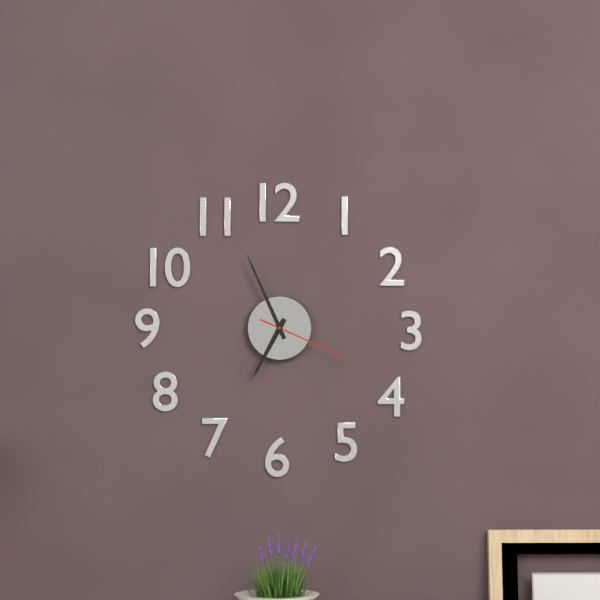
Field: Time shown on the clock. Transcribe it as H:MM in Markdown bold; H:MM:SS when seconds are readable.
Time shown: **6:56:19**
